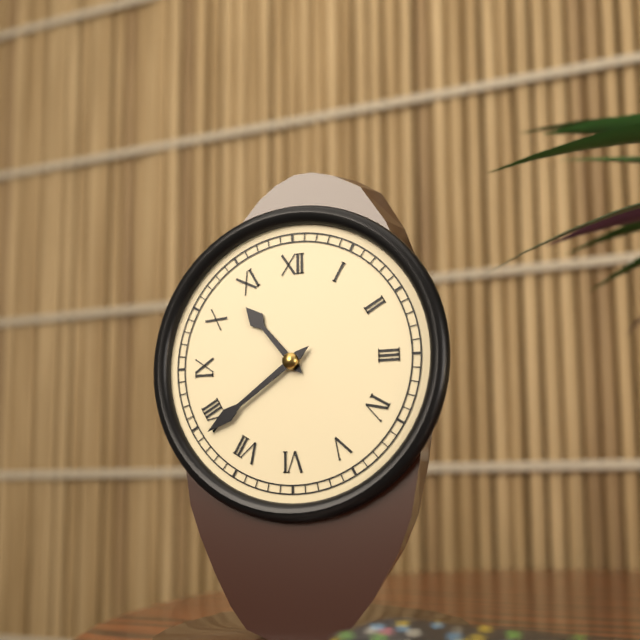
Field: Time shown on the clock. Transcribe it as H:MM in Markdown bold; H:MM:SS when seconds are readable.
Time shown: **10:39**
